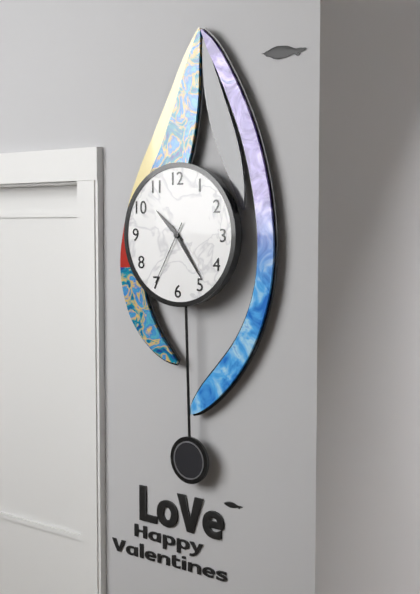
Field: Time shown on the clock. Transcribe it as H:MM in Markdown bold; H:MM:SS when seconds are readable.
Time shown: **10:24:35**
